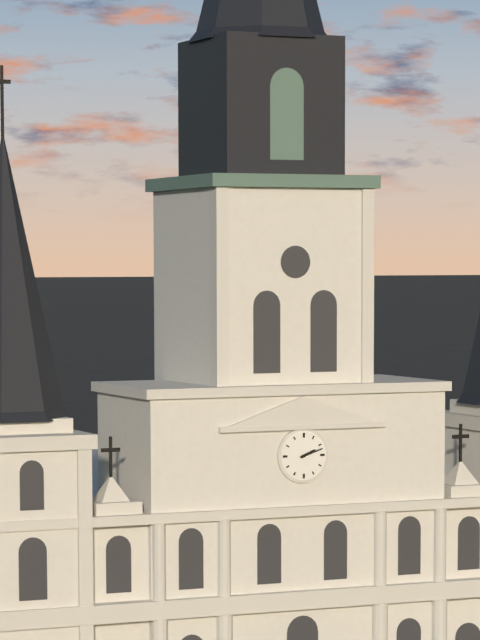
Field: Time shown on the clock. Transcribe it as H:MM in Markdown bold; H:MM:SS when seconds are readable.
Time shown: **2:12**
